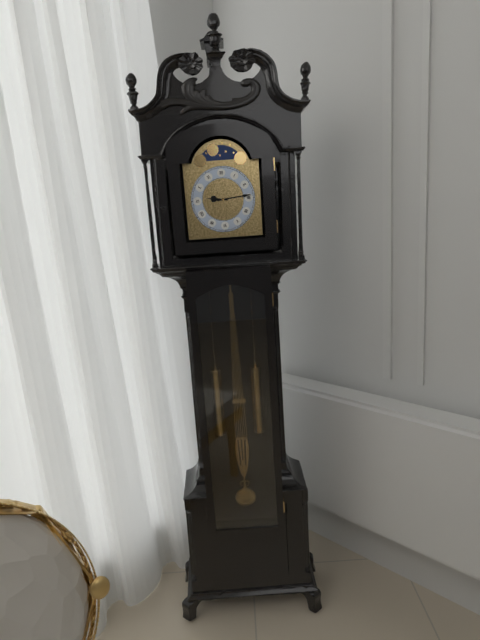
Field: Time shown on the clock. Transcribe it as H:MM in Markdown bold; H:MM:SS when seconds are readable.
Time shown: **9:14**
